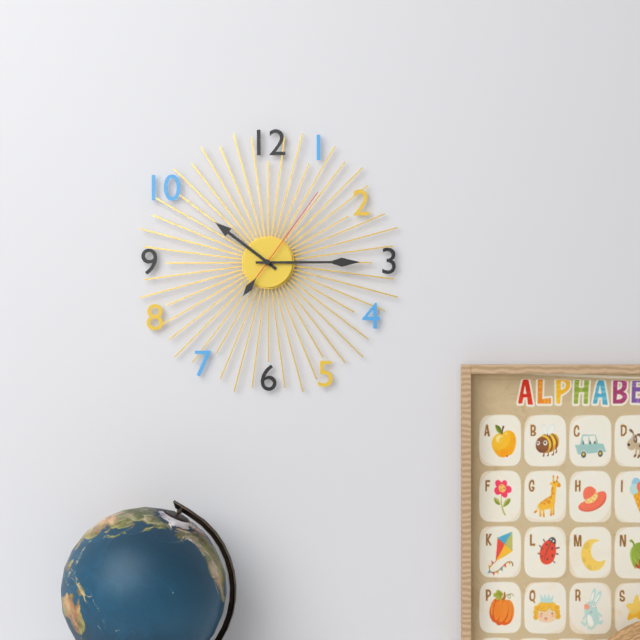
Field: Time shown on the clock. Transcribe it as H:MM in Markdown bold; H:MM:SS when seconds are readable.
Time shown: **10:15:06**
